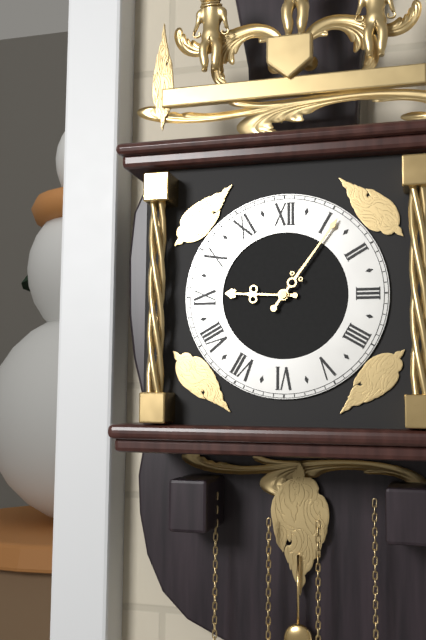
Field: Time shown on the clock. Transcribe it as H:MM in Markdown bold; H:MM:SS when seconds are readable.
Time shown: **9:06**
